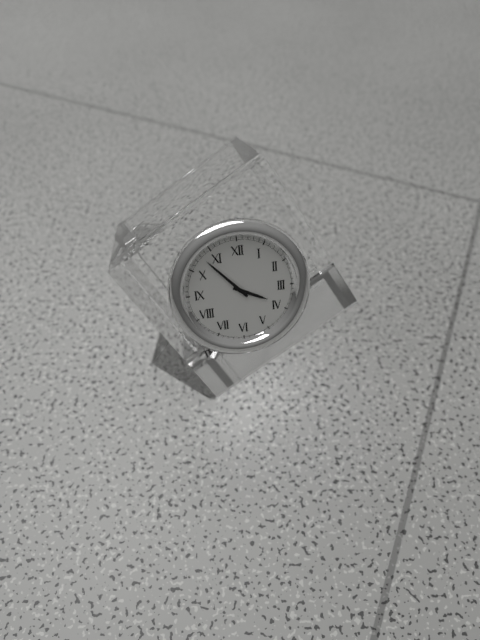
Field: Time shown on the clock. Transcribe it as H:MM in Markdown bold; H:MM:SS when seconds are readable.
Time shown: **3:53**
